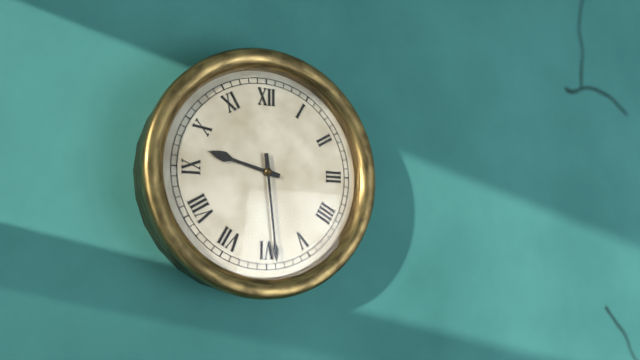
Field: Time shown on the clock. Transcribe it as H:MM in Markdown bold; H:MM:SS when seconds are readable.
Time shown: **9:29**
